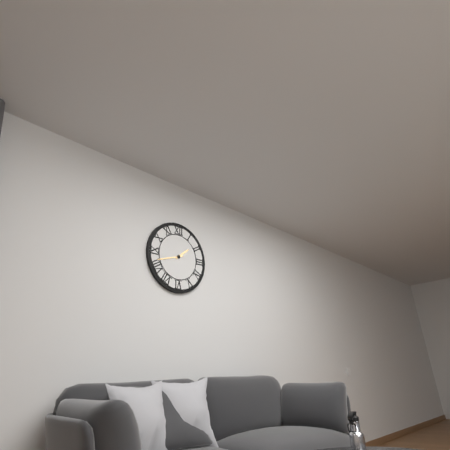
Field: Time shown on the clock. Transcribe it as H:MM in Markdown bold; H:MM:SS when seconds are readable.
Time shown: **1:42**
